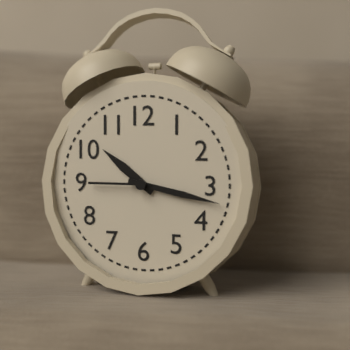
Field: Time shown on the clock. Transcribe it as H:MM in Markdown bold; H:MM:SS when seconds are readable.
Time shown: **10:17:45**
